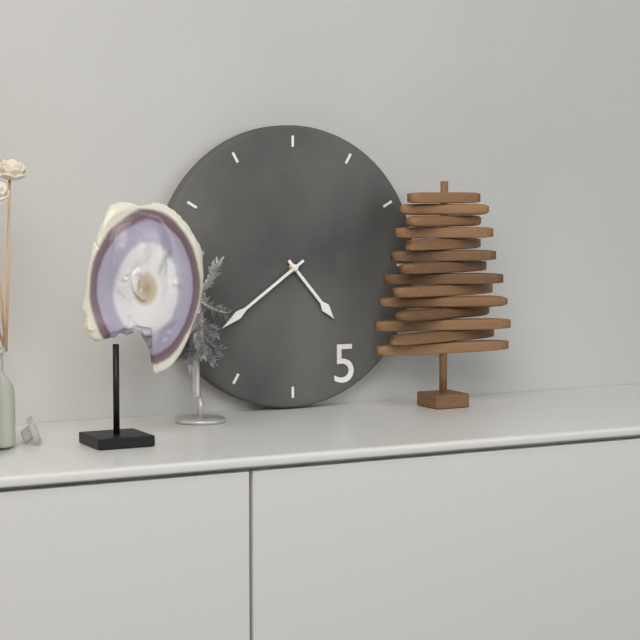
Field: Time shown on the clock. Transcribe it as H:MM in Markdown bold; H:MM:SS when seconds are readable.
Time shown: **4:39**
